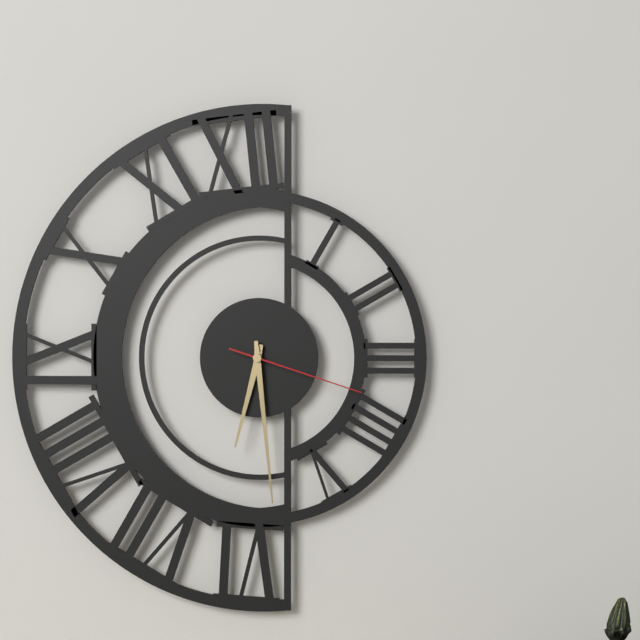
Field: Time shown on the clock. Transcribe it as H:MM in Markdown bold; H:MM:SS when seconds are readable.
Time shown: **6:29:18**
